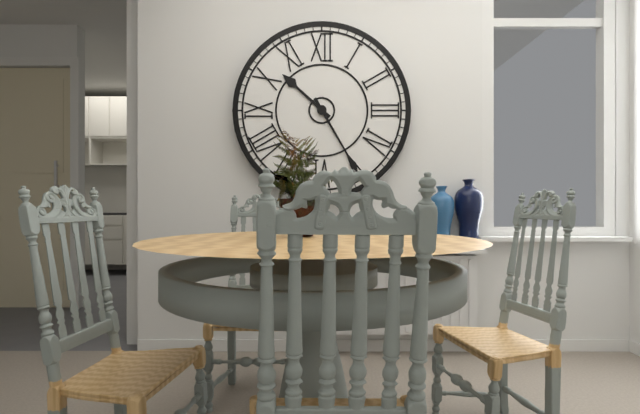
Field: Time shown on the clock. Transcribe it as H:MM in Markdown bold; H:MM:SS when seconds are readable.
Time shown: **10:25**
